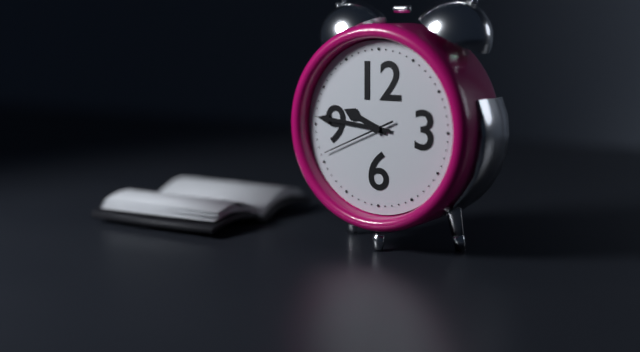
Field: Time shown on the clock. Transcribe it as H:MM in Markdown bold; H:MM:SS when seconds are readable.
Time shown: **9:46:41**
